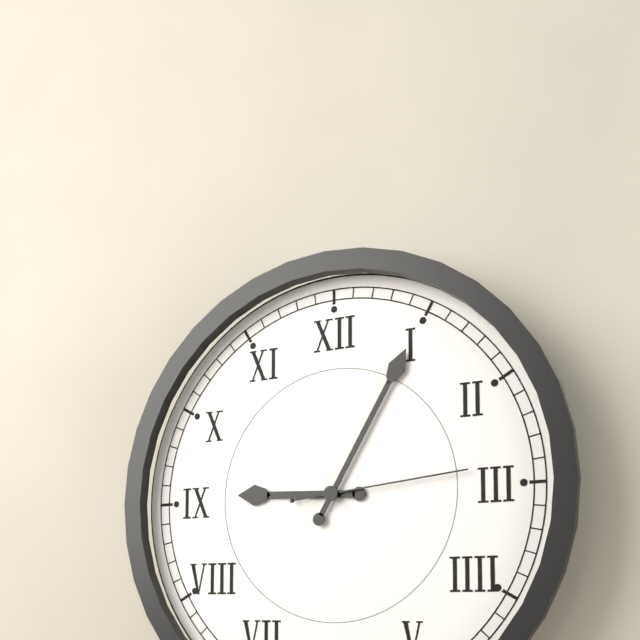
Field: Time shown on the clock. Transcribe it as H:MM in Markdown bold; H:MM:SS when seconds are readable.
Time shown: **9:05:14**
